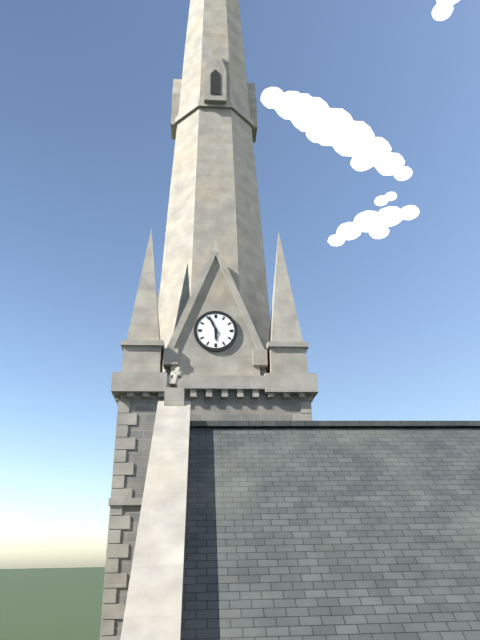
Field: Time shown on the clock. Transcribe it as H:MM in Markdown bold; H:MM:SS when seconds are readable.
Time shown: **5:56**
